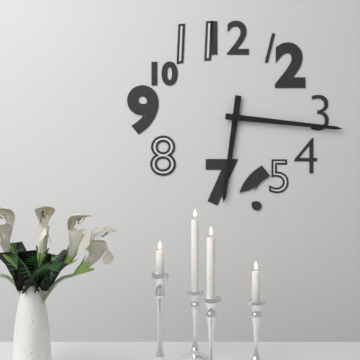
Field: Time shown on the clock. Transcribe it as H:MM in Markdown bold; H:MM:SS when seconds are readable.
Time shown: **6:16**
